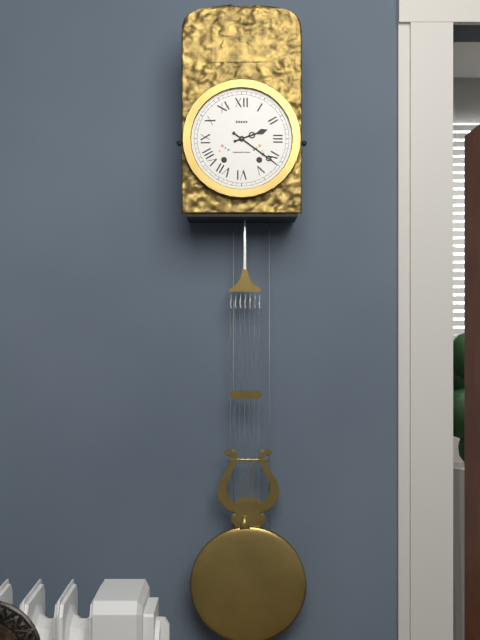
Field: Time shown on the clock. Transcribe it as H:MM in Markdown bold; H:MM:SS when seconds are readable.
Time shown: **2:21**
